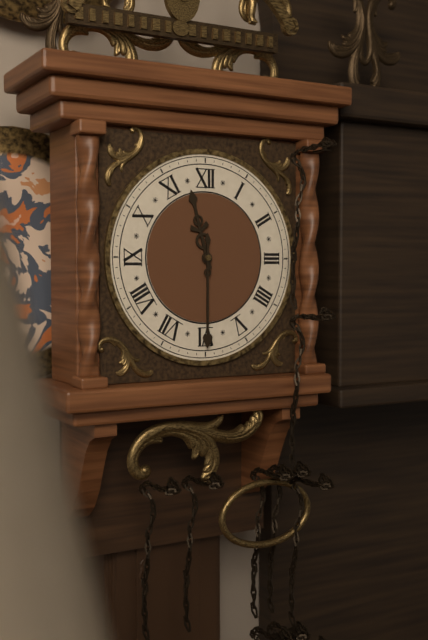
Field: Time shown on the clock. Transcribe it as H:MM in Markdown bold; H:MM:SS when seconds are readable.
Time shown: **11:30**
